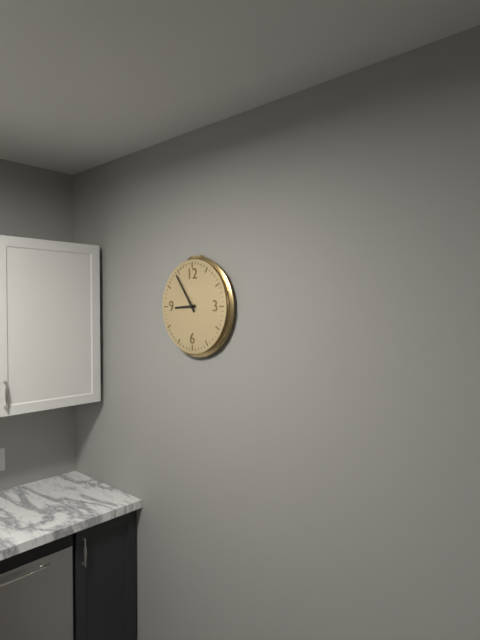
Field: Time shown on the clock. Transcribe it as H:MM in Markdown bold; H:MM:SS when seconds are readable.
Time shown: **8:54**
